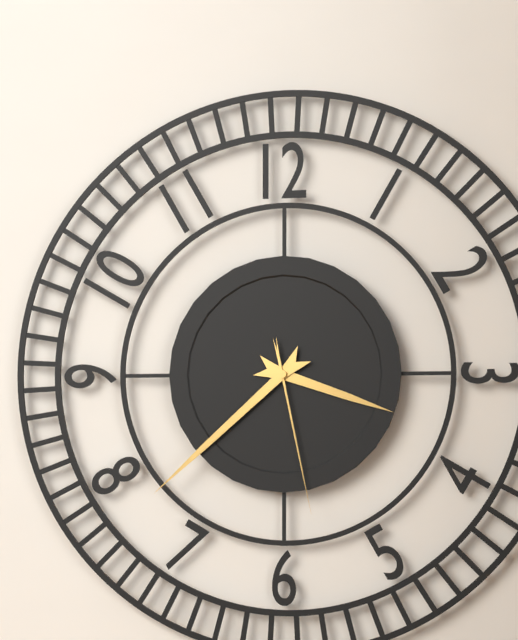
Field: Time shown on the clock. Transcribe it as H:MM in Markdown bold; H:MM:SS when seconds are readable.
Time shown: **3:38:28**
